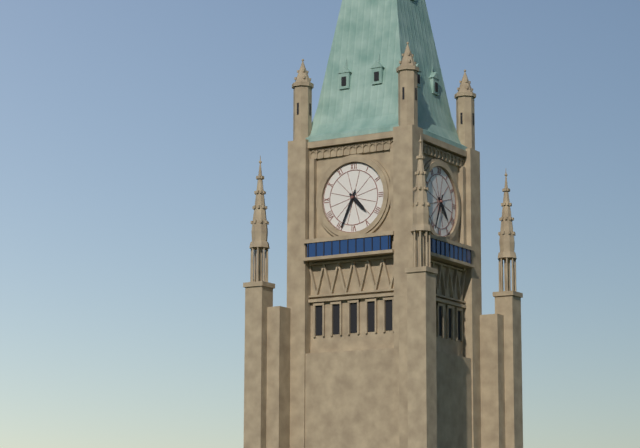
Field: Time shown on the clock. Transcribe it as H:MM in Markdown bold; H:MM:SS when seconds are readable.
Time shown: **4:34**
